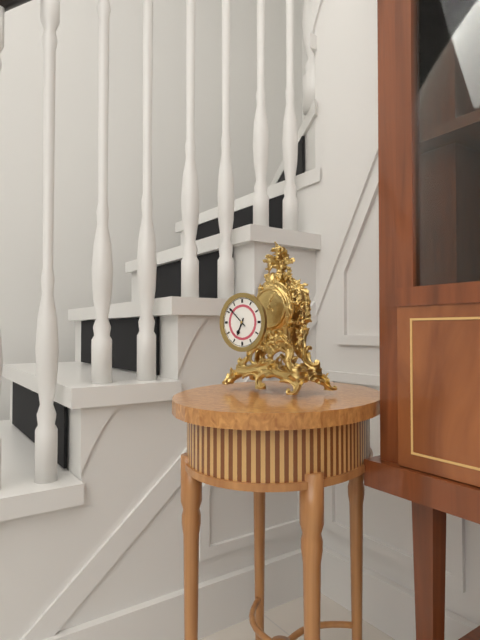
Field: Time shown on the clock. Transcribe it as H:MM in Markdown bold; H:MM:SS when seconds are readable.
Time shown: **6:52**
